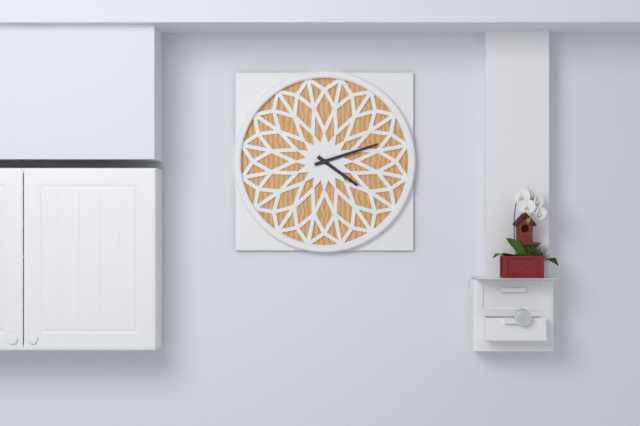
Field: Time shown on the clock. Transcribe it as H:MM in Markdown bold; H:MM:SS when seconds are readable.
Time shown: **4:12**
